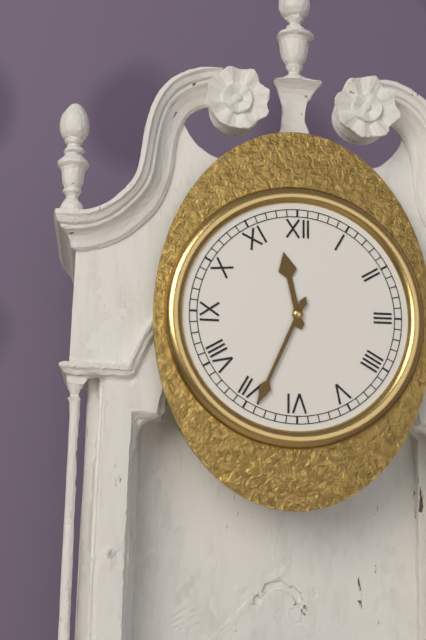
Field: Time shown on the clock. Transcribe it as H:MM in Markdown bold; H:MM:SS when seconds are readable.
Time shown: **11:34**
